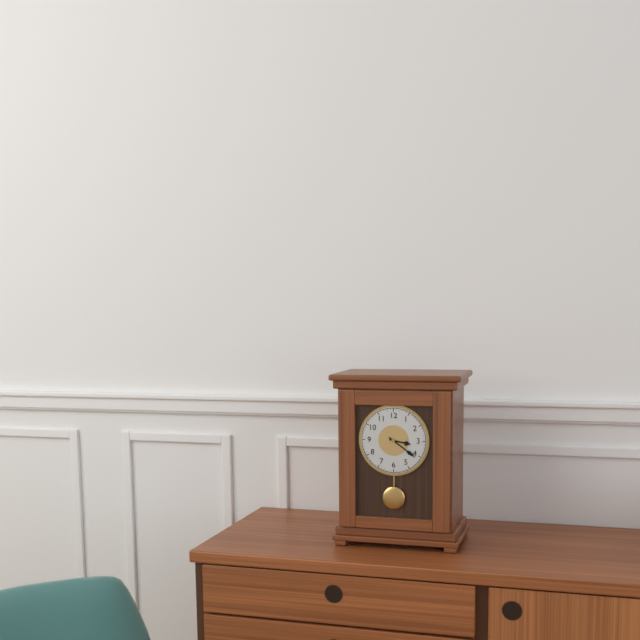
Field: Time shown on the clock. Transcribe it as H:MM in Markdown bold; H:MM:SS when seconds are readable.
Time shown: **3:21**
